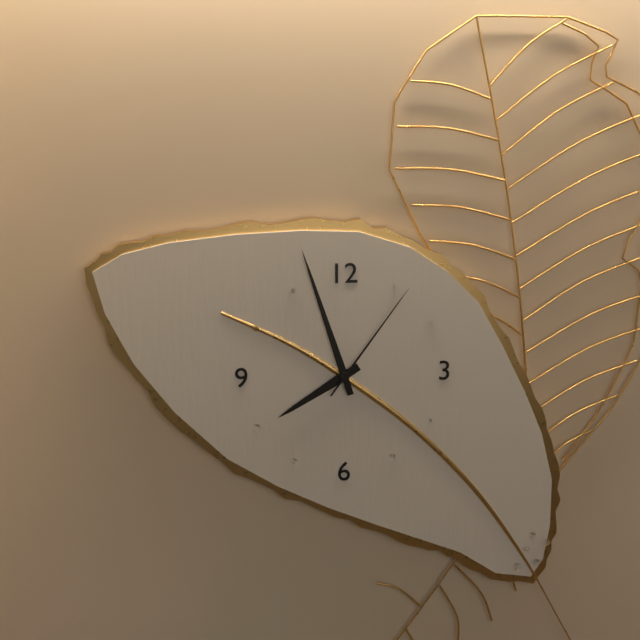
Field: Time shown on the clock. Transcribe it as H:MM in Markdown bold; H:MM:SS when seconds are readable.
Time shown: **7:57:06**
